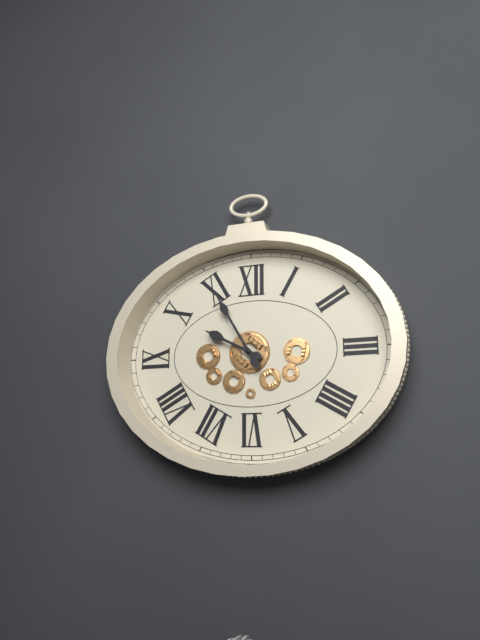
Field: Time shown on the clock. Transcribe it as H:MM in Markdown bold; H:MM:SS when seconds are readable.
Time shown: **9:55**
